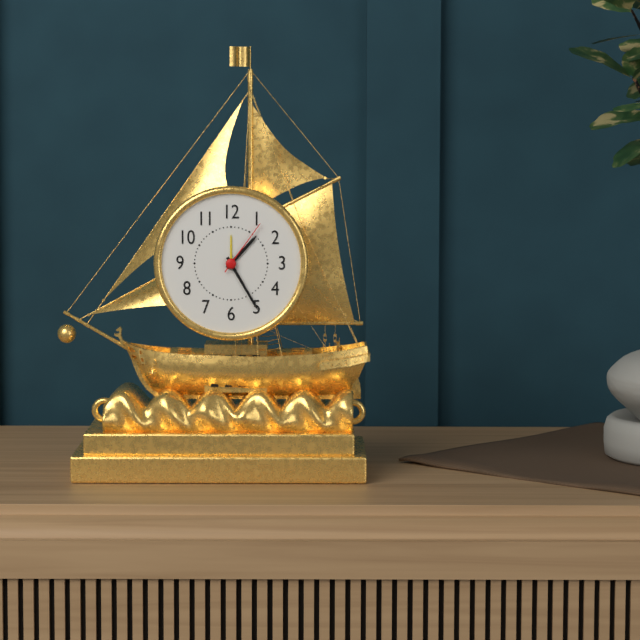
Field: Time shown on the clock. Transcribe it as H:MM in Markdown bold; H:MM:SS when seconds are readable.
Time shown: **1:25:06**
